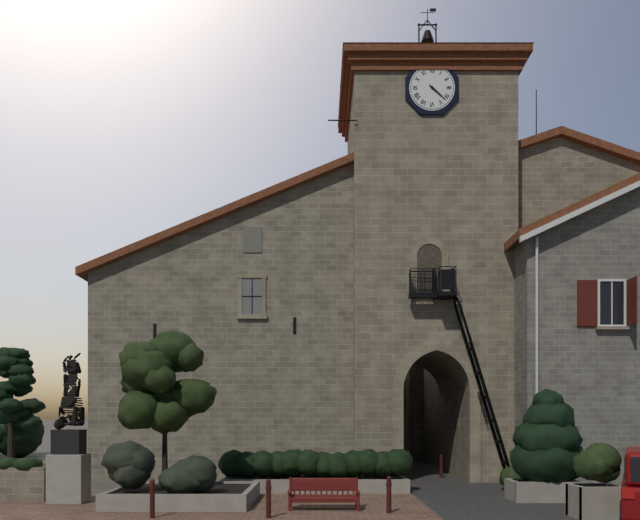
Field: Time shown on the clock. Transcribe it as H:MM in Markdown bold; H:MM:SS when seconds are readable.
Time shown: **4:22**
